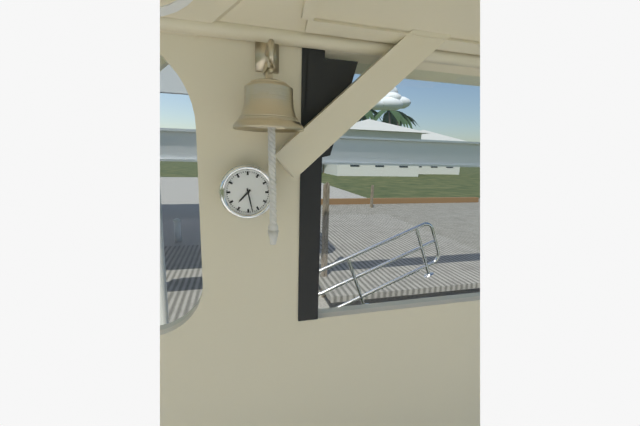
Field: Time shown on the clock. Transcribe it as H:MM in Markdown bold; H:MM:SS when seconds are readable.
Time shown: **7:28**
